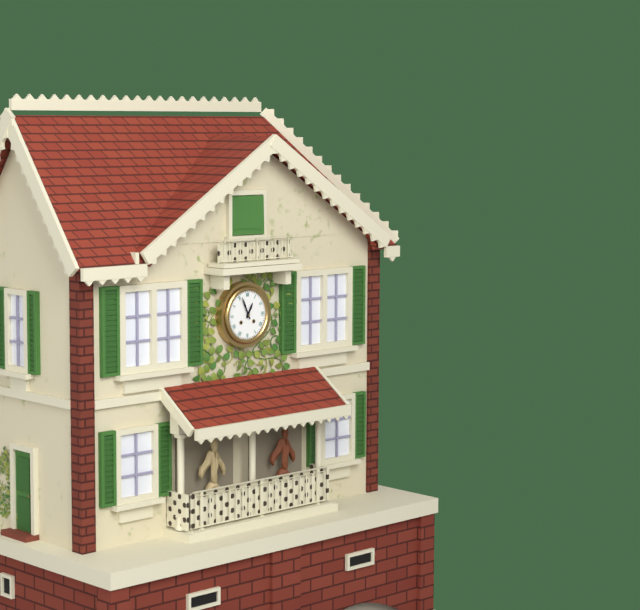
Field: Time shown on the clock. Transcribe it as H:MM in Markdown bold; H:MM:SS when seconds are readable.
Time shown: **12:56**
